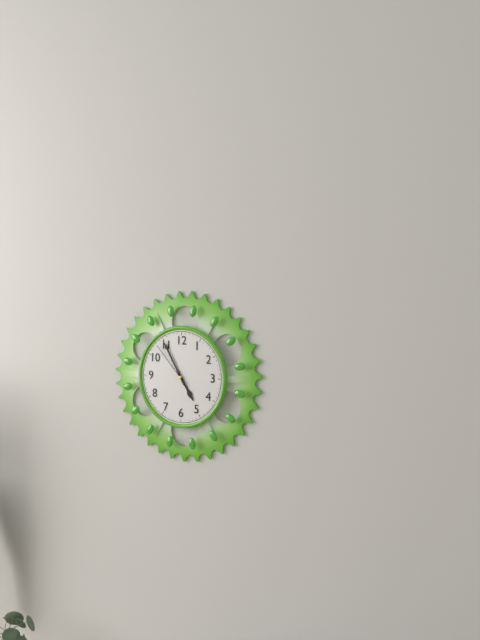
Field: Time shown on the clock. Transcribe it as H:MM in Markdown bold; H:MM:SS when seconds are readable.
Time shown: **4:55**
